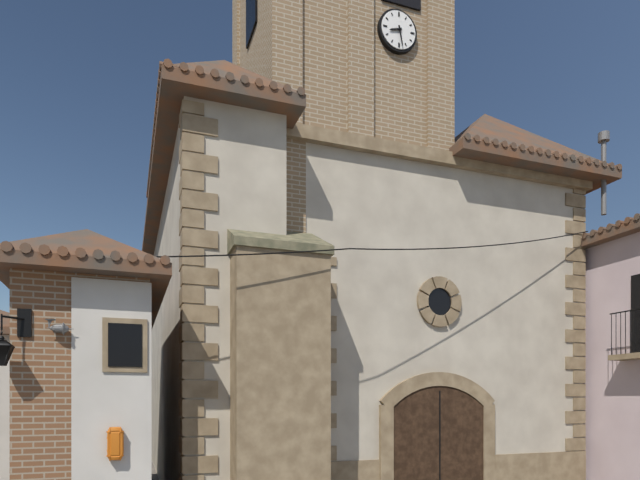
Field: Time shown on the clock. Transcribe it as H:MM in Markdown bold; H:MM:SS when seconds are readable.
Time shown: **8:28**
